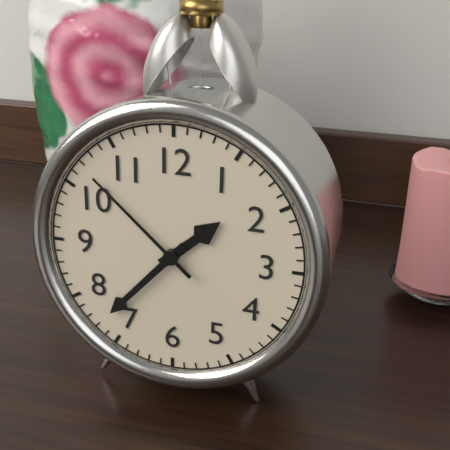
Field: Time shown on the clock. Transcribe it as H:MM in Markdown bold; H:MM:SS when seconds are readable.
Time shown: **1:37:52**
